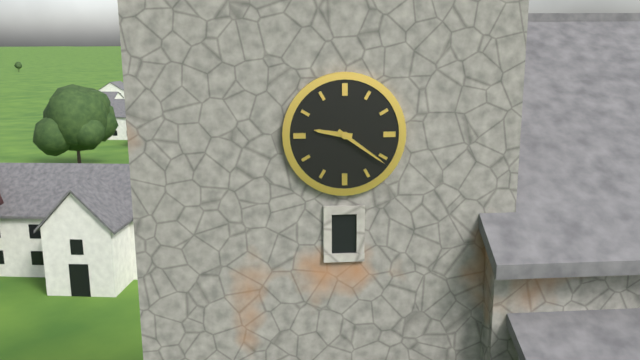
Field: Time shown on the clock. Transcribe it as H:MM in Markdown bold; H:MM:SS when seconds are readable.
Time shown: **9:21**
